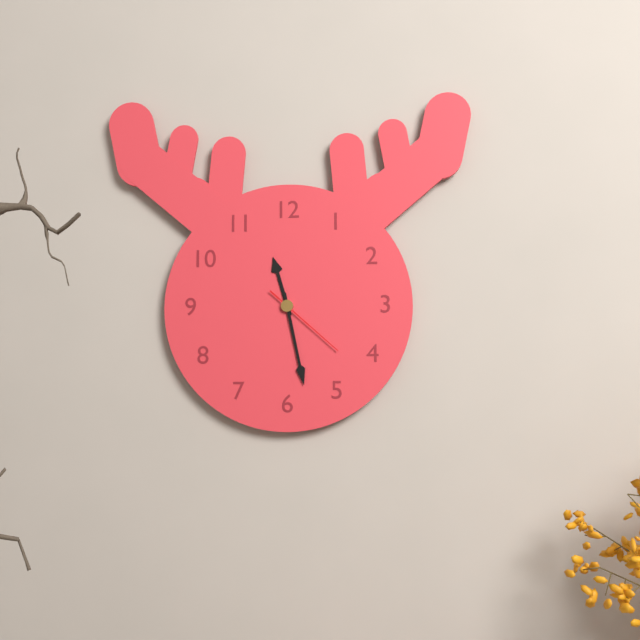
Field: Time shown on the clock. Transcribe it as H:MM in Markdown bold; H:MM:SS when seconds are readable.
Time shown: **11:28:22**
